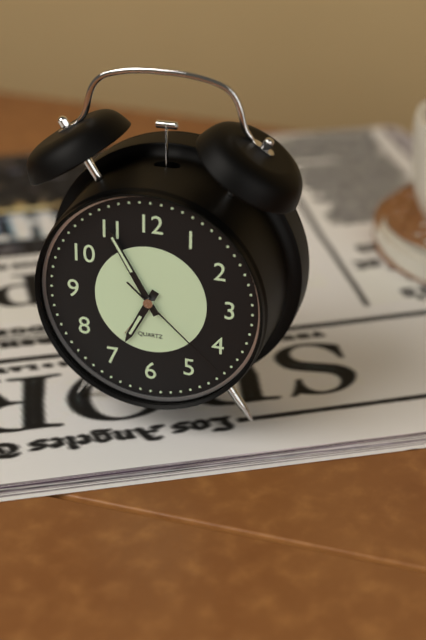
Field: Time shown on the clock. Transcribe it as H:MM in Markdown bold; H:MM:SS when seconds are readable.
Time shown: **6:55:22**
